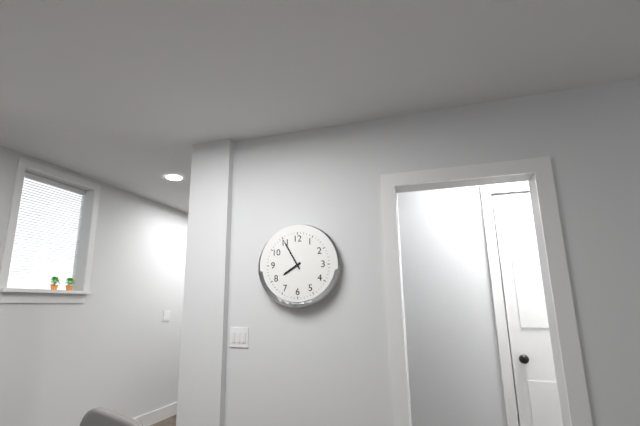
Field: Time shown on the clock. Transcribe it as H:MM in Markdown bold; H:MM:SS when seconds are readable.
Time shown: **7:55**
